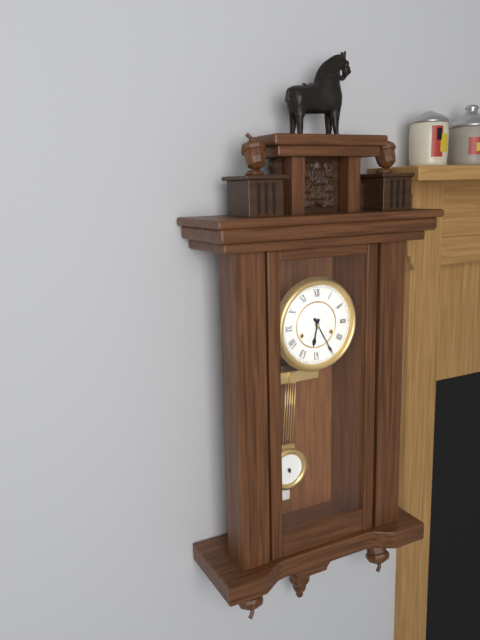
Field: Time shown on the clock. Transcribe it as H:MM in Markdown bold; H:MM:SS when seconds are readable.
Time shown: **6:25**
